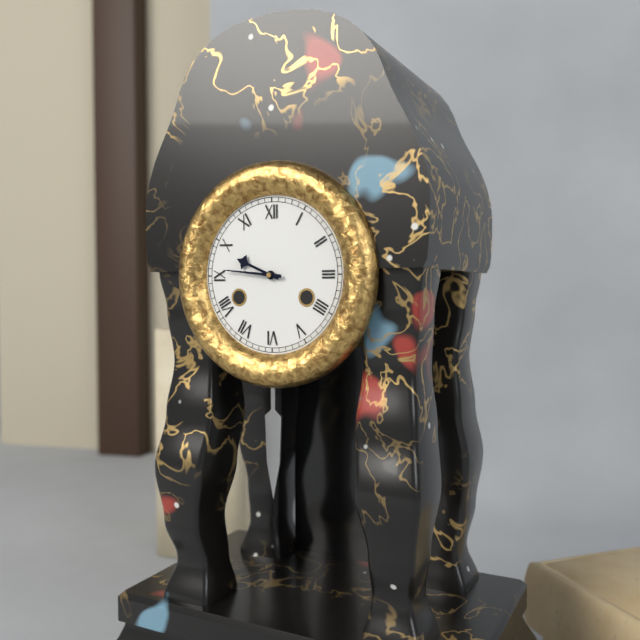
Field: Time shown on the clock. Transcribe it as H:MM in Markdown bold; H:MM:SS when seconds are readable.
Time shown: **9:46**
